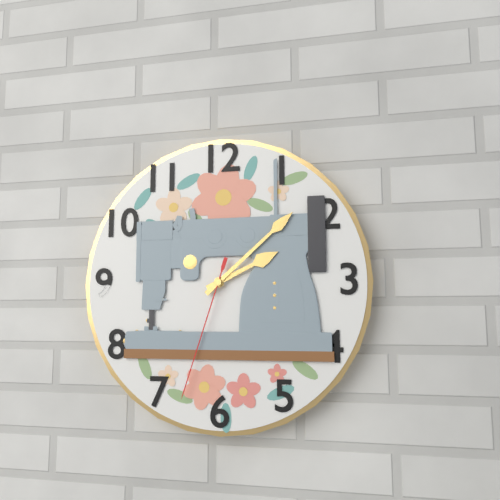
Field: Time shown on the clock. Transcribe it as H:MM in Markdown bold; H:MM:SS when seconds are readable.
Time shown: **2:08:33**
